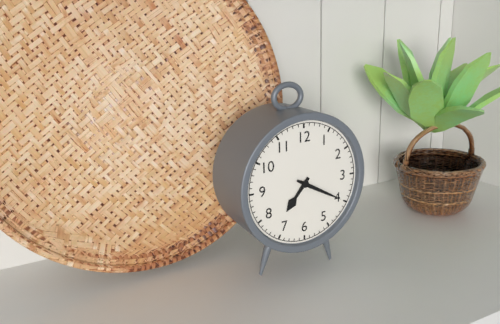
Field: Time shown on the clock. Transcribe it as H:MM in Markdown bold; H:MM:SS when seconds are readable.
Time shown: **7:20**
